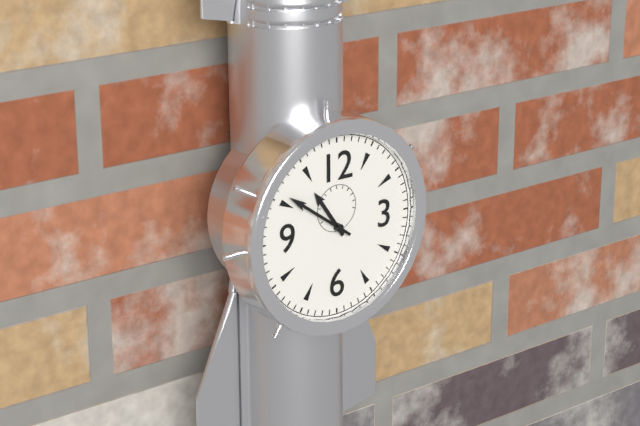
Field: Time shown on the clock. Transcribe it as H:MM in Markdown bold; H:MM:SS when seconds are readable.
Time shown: **10:51**
